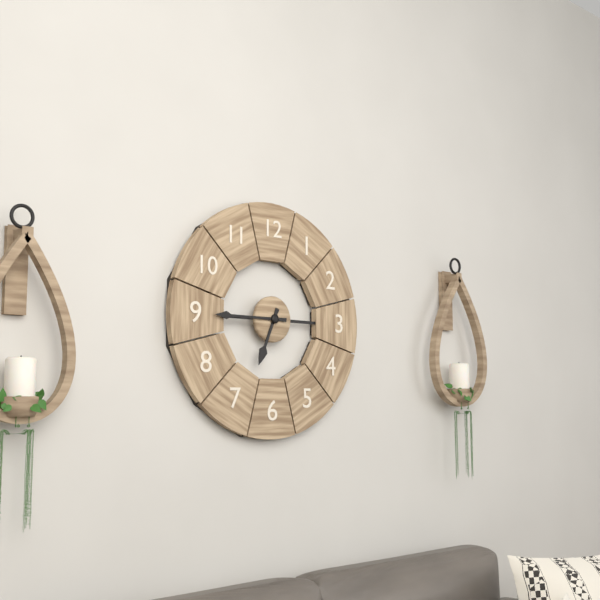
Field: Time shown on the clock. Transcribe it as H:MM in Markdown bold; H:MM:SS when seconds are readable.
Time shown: **6:45**
